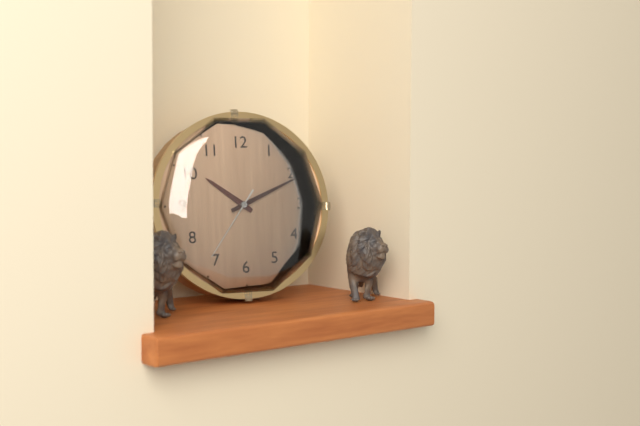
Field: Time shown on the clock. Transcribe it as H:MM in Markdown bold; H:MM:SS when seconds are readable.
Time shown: **10:11:36**
